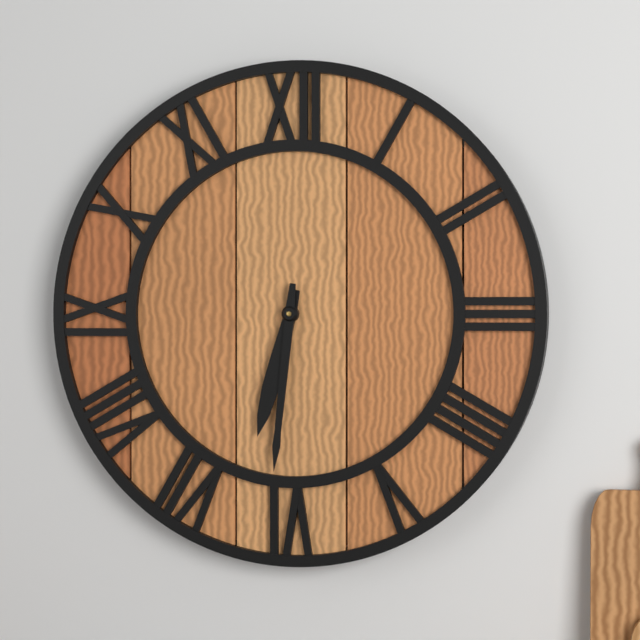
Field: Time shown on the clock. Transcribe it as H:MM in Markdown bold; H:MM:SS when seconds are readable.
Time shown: **6:31**
